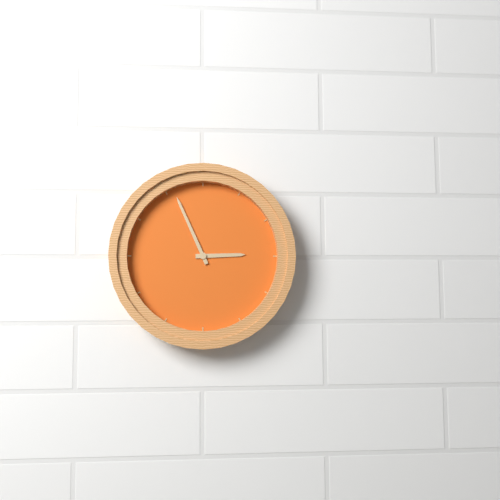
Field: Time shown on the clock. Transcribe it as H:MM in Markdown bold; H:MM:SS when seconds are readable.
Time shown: **2:56**
